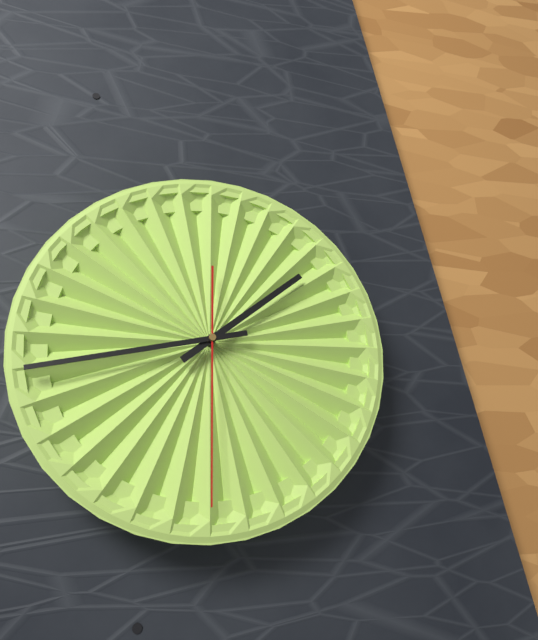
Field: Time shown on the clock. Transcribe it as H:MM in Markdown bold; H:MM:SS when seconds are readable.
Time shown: **1:43:30**
